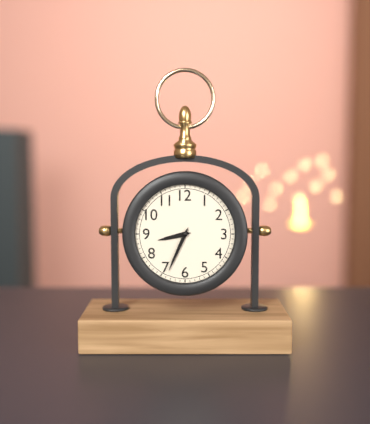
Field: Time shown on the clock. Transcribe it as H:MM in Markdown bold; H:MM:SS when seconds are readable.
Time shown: **8:34**
